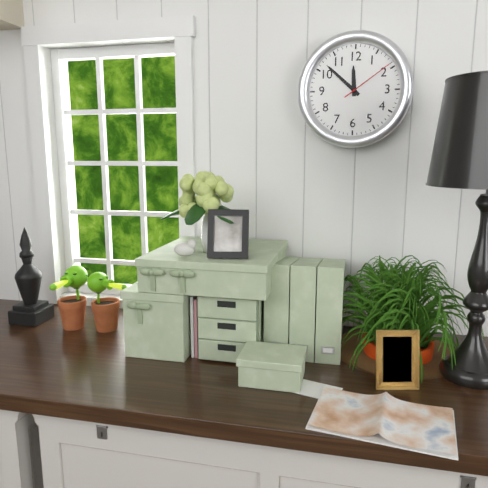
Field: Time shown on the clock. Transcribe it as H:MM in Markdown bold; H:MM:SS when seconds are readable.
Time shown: **11:52:09**
